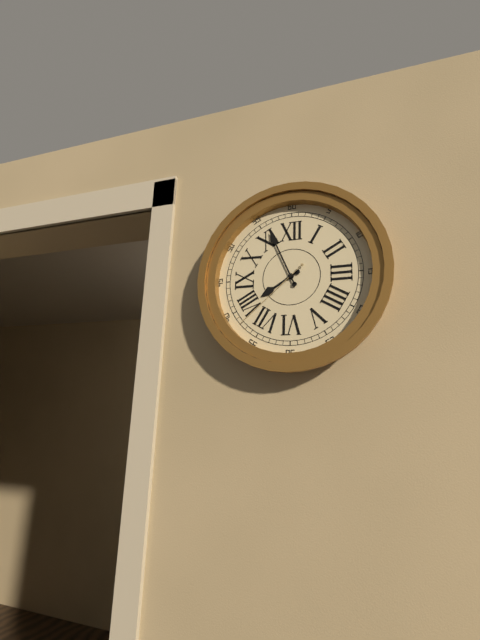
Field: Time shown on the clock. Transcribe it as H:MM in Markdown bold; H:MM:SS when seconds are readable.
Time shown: **7:56:38**
